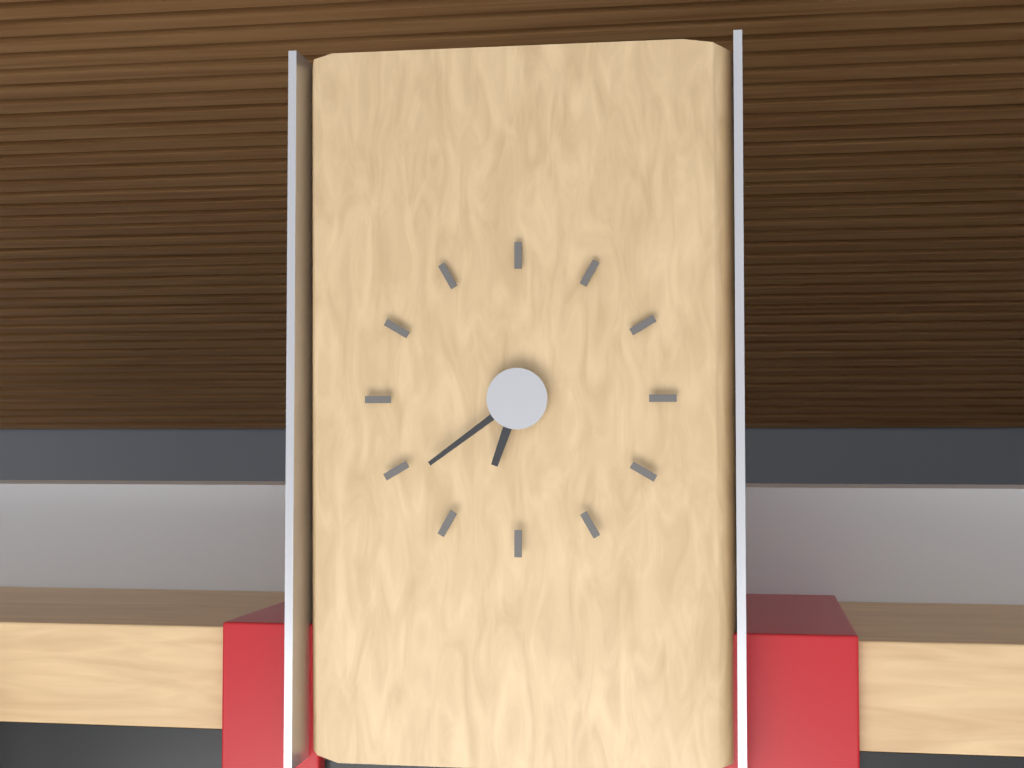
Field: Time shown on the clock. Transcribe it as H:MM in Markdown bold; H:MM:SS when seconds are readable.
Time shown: **6:39**
